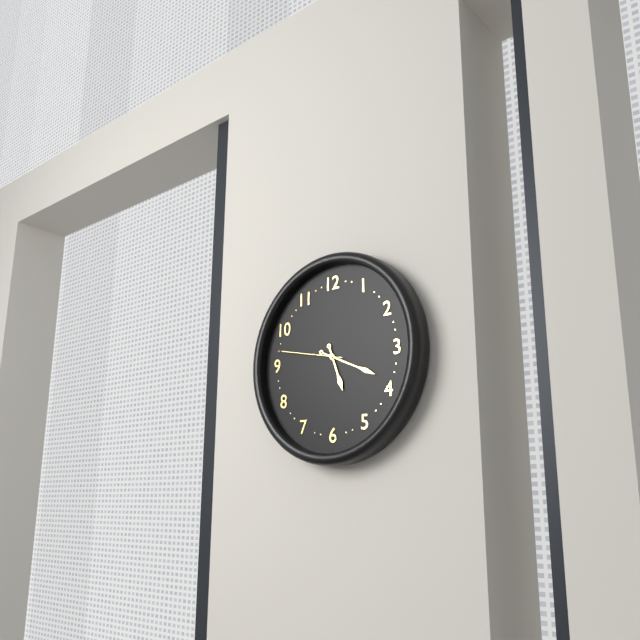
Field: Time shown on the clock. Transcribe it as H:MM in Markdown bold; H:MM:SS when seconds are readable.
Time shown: **5:19:47**
